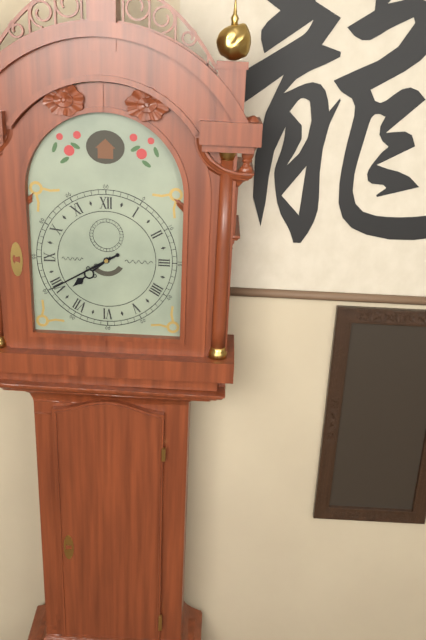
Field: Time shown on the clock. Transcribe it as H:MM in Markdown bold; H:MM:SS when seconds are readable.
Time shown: **7:40**
